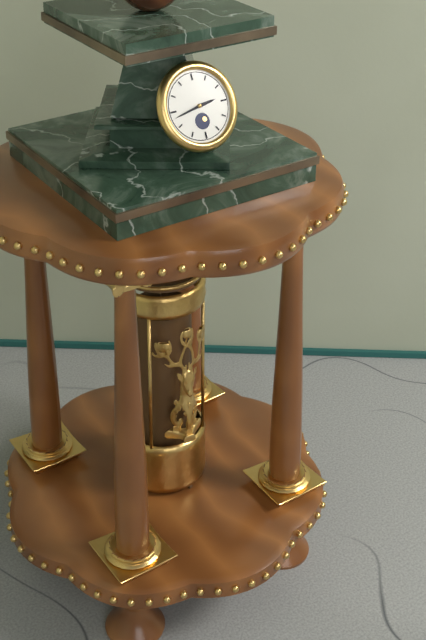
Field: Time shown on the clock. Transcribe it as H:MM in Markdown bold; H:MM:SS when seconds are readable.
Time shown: **2:43**
